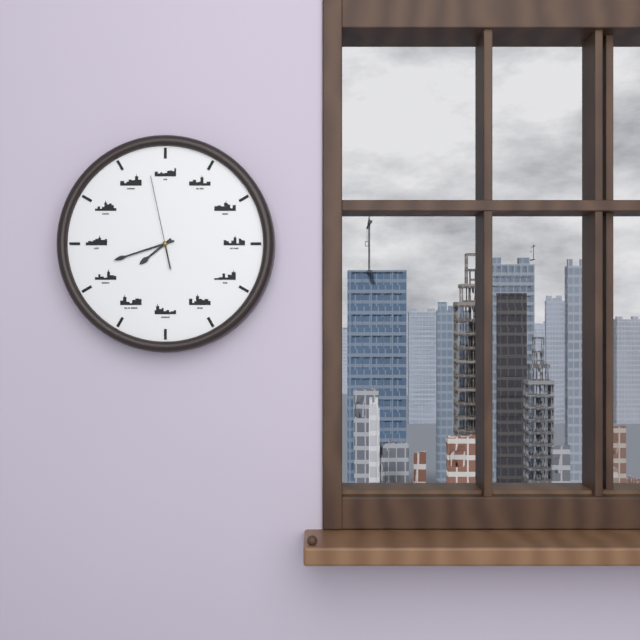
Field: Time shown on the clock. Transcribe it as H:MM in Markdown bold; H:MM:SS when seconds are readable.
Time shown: **7:42:58**
